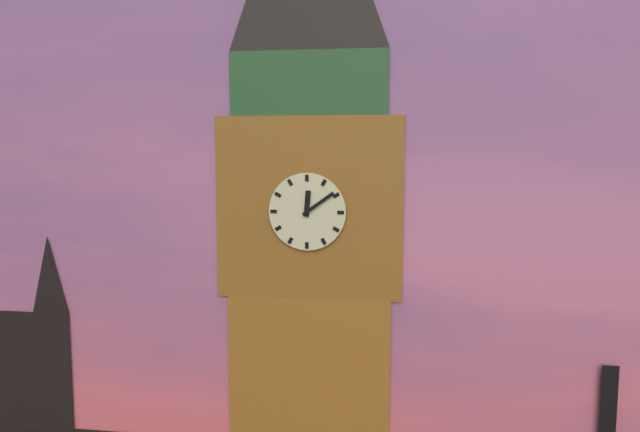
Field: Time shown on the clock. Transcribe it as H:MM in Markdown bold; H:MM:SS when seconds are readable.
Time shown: **12:09**
